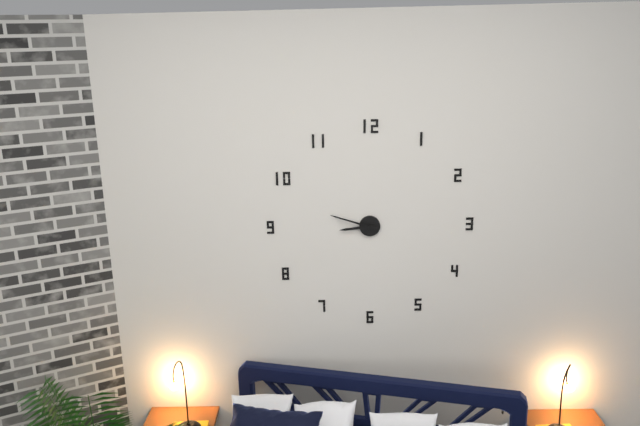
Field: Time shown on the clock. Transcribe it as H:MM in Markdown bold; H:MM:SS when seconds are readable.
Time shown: **8:48**
